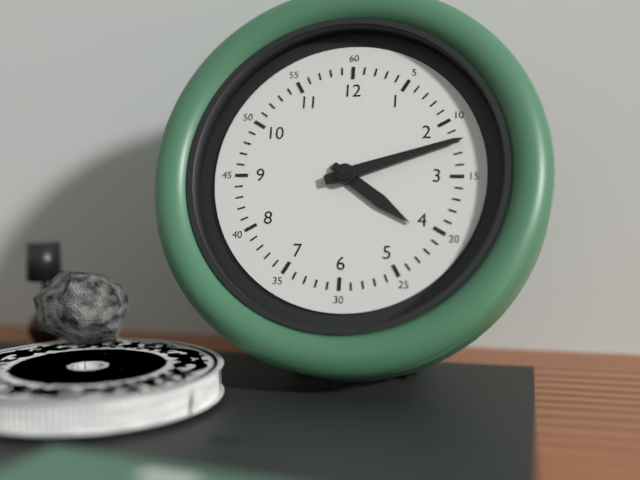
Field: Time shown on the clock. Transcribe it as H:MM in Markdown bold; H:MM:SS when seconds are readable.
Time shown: **4:12**
